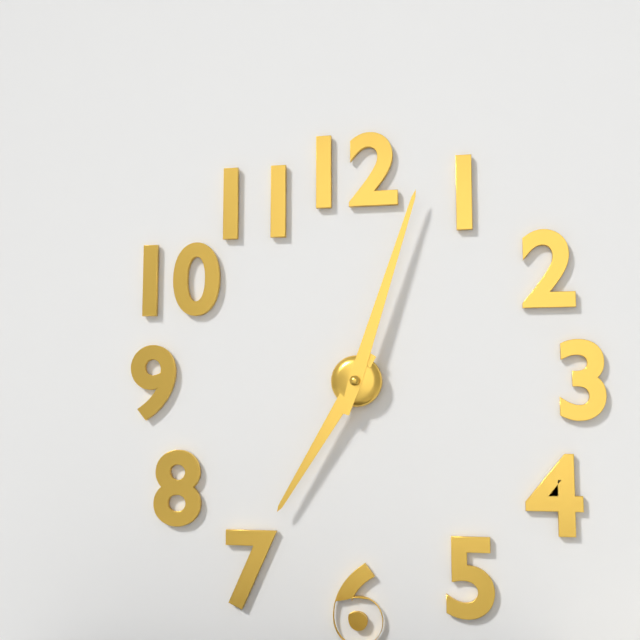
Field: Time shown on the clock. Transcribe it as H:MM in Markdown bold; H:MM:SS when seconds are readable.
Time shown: **7:03**
